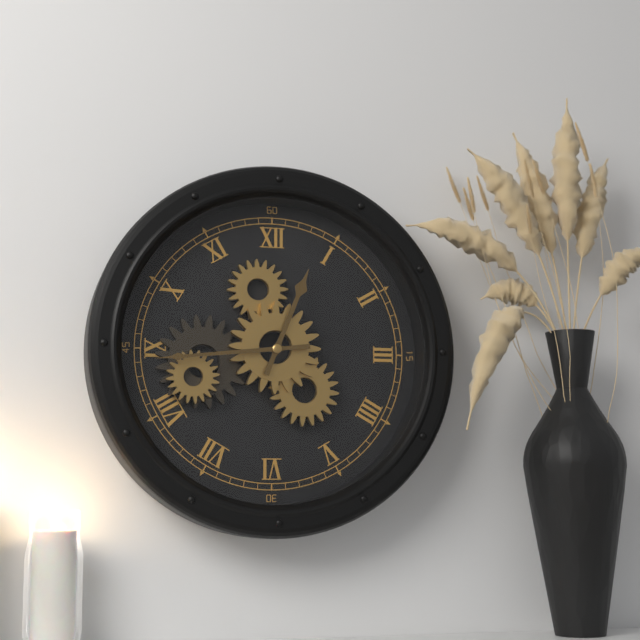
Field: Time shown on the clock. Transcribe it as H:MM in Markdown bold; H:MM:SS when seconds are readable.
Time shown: **12:44**
